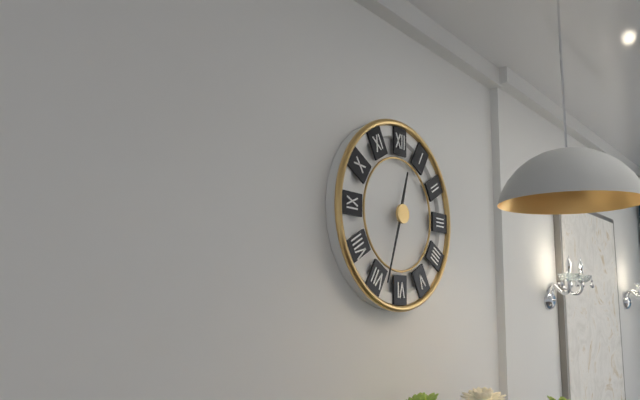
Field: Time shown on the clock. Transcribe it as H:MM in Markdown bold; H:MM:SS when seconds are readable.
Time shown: **12:33**
